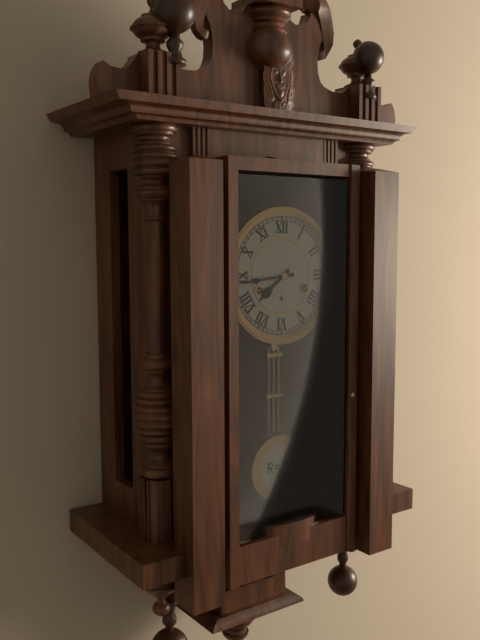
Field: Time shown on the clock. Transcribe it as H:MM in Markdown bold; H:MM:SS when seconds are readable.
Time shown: **7:44**
